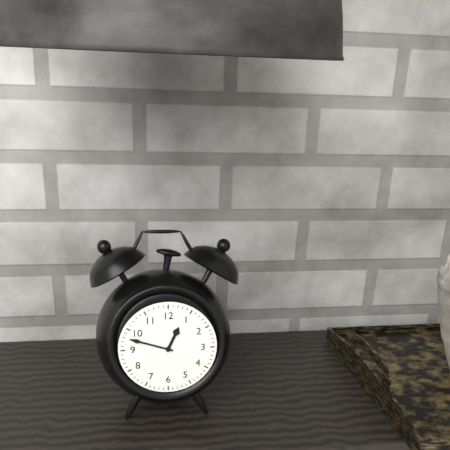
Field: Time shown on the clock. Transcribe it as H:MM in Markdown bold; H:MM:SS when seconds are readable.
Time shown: **12:48**
